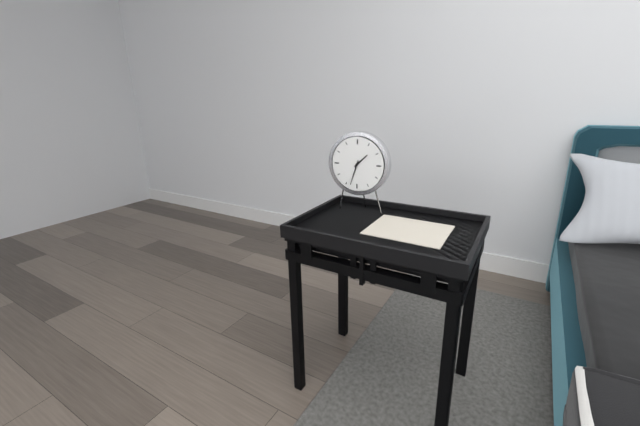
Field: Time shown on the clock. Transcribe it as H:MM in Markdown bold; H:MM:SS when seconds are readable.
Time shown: **1:33**
